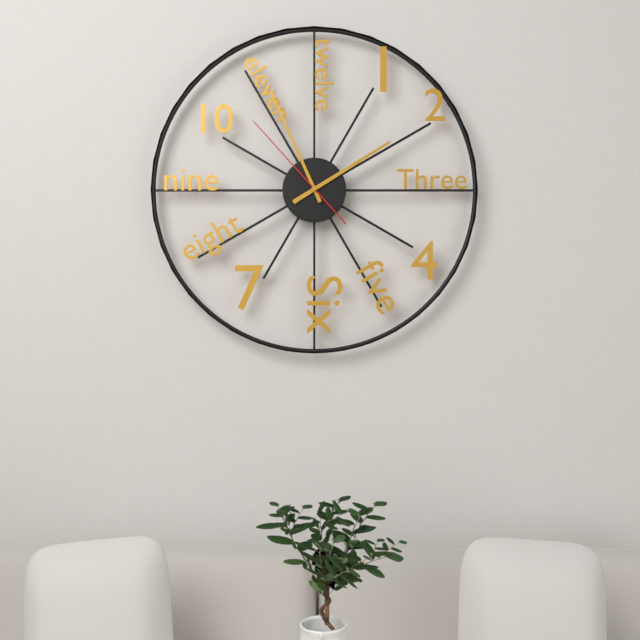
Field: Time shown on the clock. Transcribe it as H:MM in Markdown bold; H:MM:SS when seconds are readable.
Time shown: **1:56:53**
